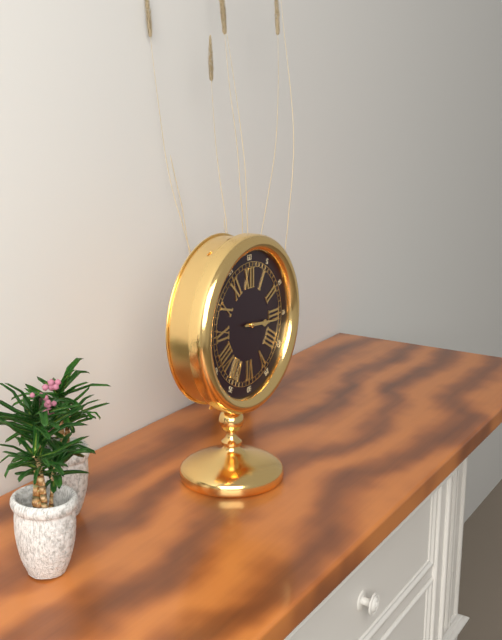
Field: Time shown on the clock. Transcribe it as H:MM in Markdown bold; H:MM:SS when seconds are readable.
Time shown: **3:16**
